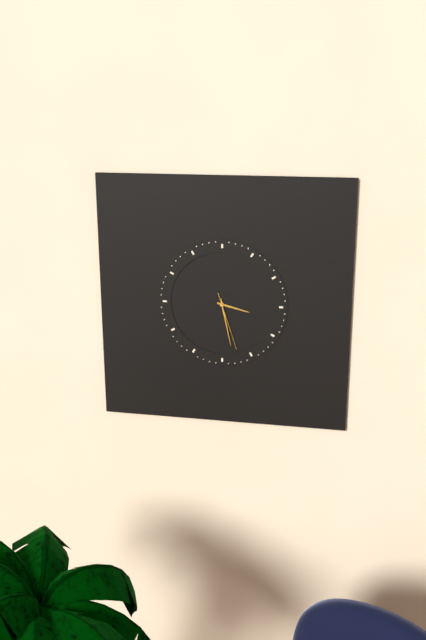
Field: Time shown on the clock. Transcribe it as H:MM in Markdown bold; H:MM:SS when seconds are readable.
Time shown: **3:28:27**
